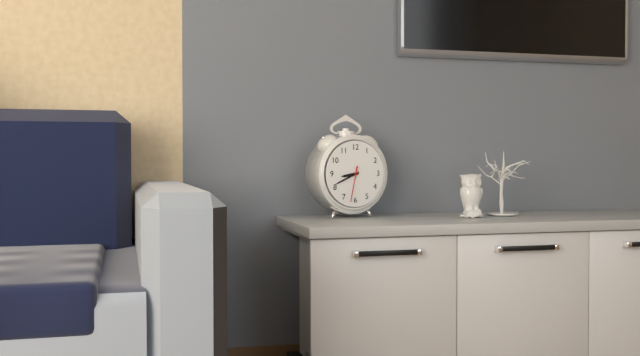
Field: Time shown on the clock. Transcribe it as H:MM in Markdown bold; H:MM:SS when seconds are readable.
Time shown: **8:41**
